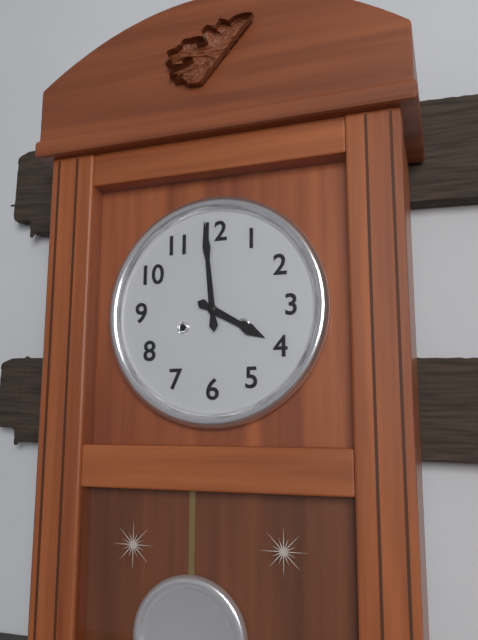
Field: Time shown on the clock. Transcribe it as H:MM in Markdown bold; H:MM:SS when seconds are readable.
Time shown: **3:59**
